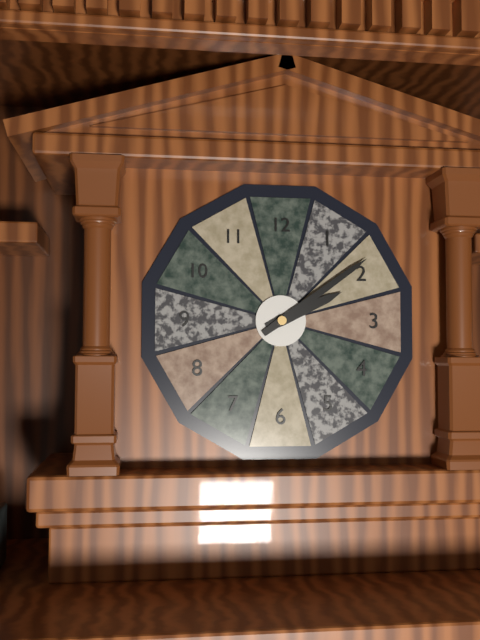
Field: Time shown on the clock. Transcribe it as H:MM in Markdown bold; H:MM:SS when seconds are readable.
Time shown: **2:09**
